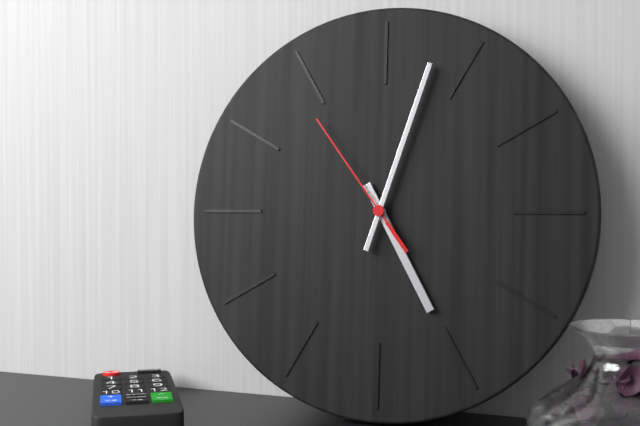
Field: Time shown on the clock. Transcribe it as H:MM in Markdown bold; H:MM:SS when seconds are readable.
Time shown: **5:03:54**
